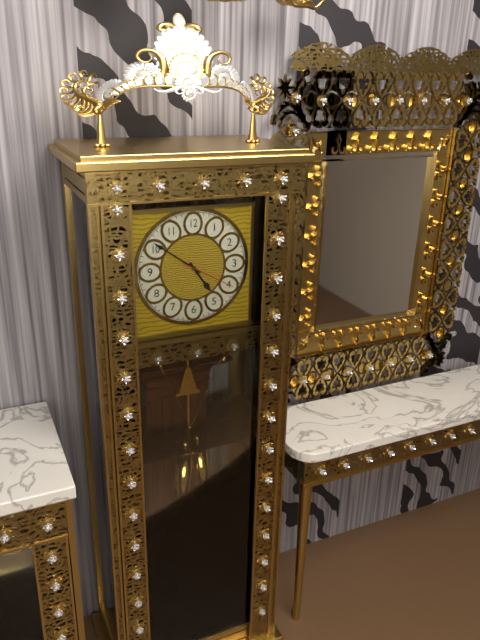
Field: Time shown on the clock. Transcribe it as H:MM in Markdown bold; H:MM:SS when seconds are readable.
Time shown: **4:51:20**
